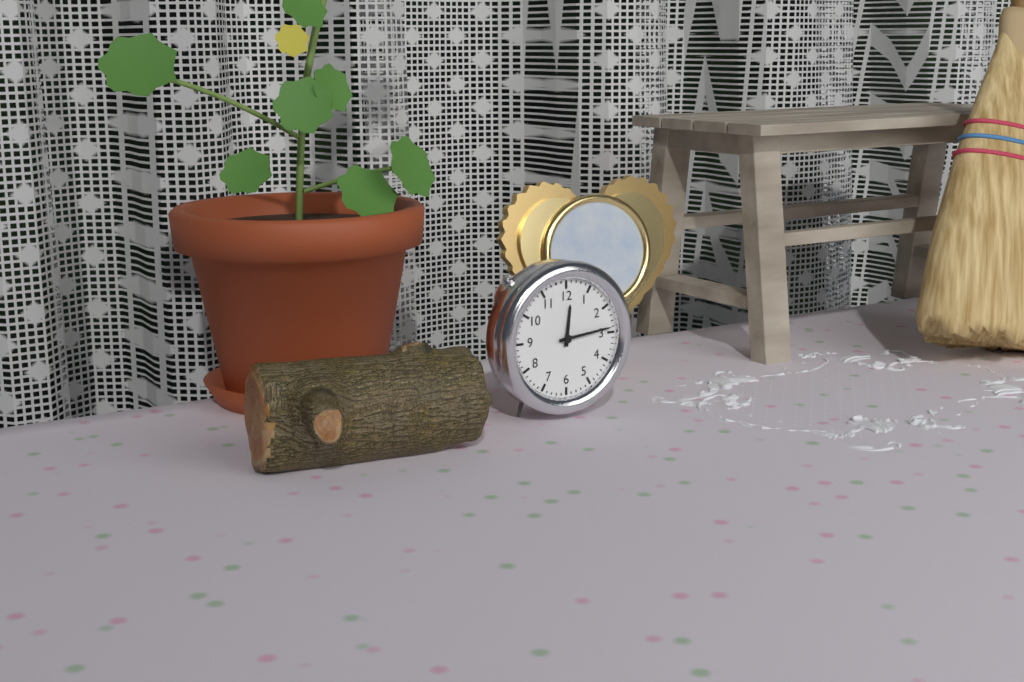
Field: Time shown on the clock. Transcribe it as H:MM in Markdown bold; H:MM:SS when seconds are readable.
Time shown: **12:14**
